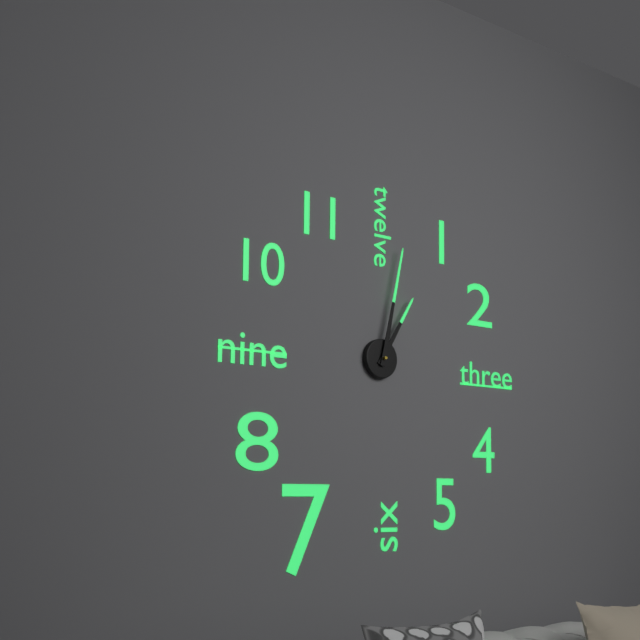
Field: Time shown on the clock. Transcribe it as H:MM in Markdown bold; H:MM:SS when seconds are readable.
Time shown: **1:02**
